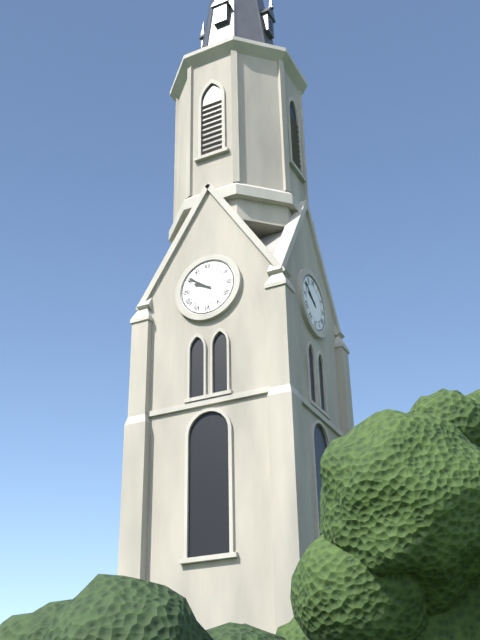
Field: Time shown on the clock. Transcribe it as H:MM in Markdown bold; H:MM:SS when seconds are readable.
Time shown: **9:51**
